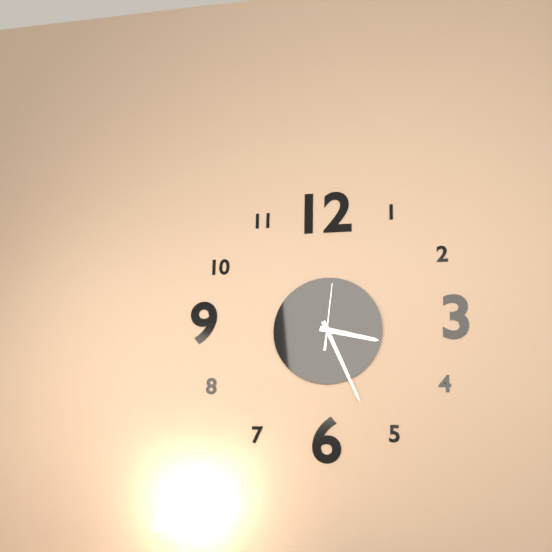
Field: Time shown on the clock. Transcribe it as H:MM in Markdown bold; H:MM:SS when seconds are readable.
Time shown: **3:26:01**
